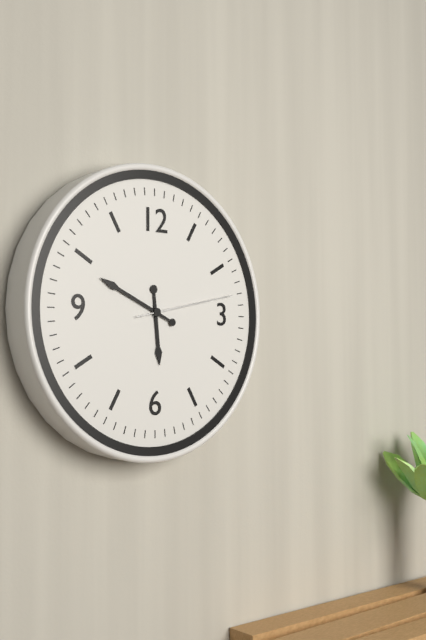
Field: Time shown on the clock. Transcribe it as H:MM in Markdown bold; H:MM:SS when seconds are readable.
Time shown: **5:49:13**
